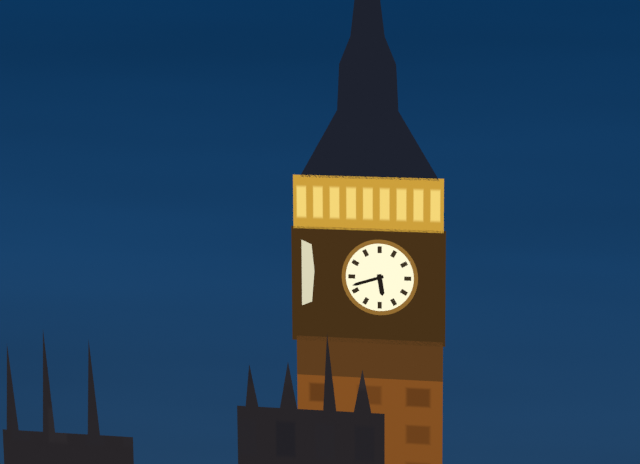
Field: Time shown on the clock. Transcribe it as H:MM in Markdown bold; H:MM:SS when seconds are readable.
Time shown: **5:42**
